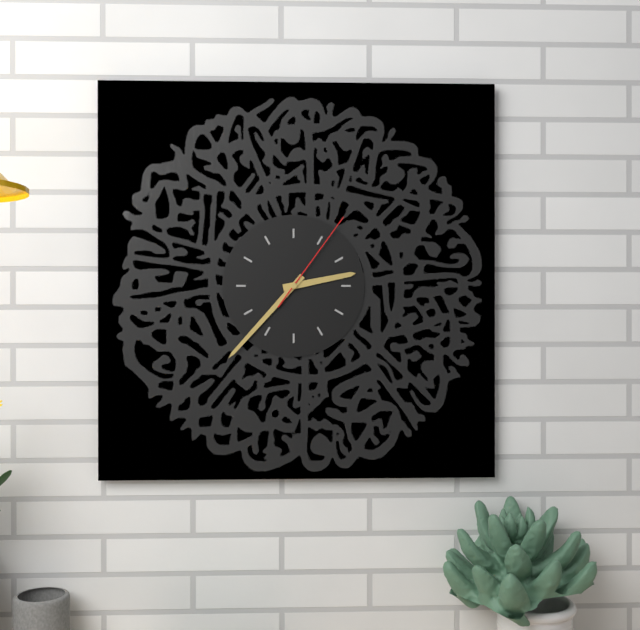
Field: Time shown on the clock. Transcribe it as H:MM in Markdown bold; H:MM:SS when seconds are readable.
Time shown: **2:37:06**
